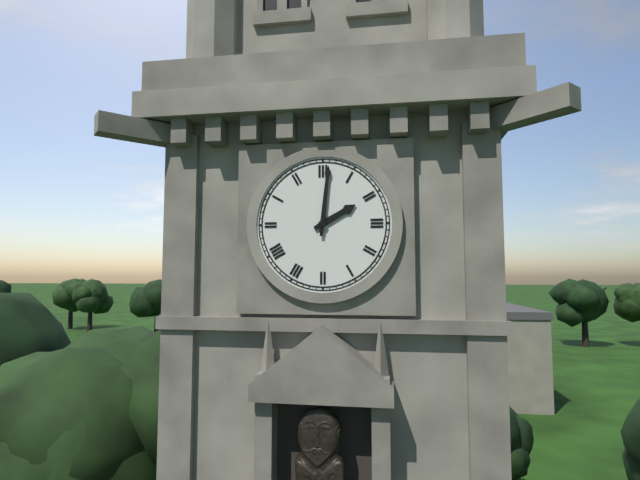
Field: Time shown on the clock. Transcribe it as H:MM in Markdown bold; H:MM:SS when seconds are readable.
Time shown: **2:01**
